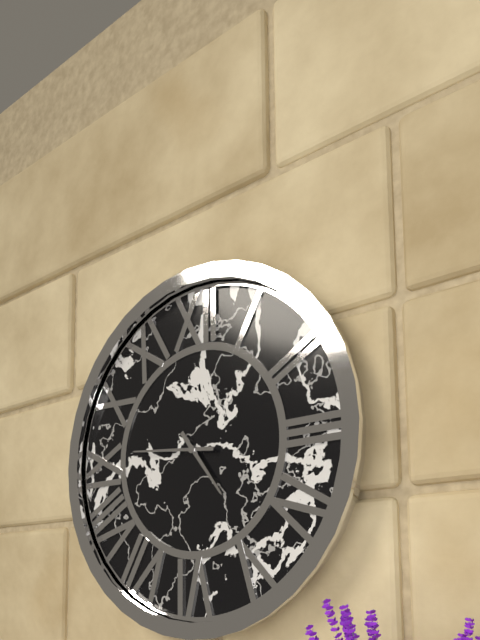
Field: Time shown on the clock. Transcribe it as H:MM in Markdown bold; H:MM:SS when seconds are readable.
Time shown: **4:46**
